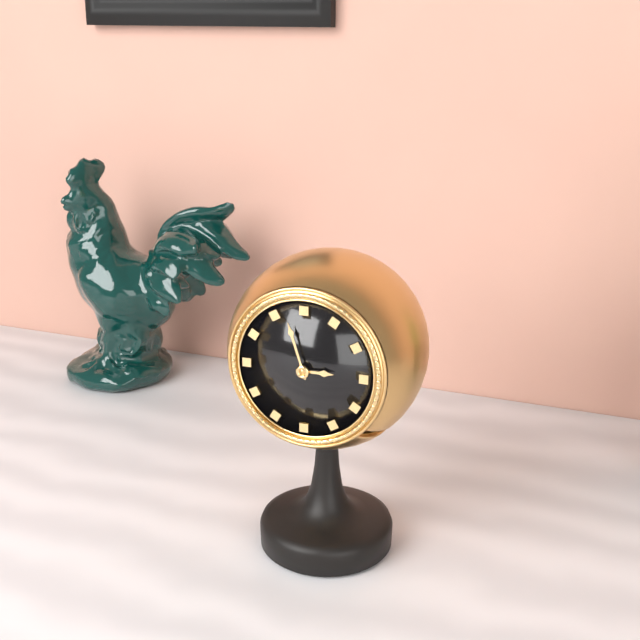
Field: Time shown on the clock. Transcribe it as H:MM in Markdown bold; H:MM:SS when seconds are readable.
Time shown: **2:57**
